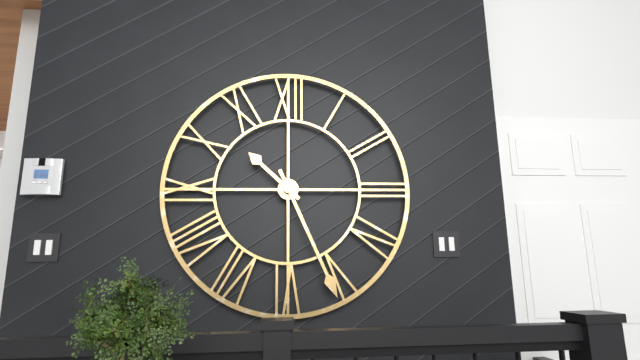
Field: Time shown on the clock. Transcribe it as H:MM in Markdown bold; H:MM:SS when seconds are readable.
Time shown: **10:26**
